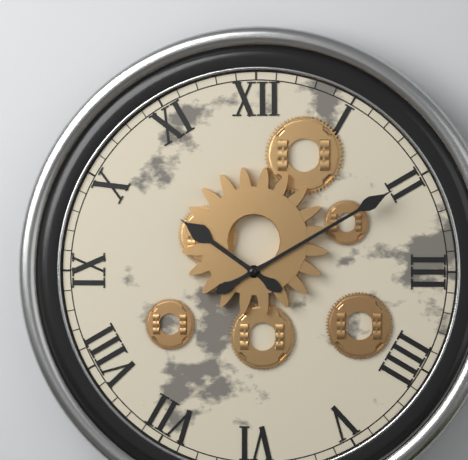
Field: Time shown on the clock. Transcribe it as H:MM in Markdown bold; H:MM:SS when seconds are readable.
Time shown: **10:10**
